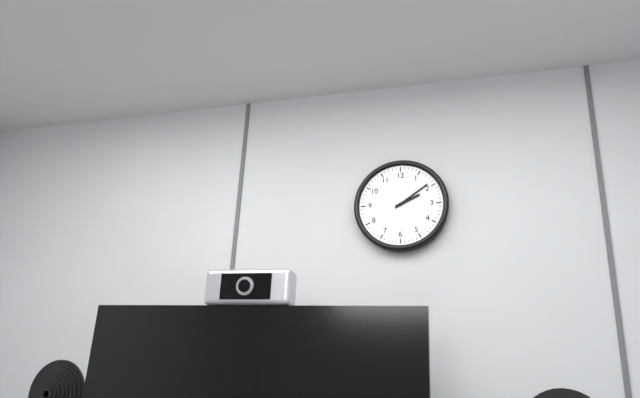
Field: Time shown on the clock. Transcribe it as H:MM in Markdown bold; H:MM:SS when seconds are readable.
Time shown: **2:09**
